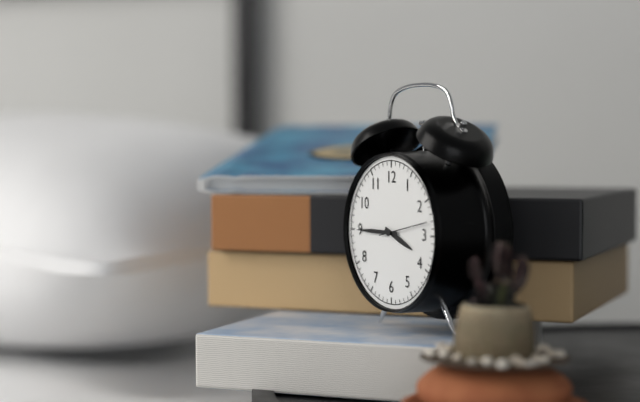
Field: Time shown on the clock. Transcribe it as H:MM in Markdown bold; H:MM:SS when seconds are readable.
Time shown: **3:45**
